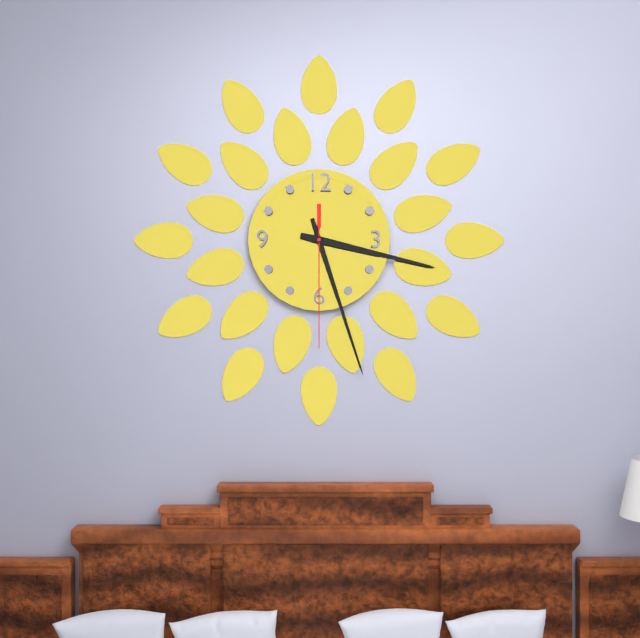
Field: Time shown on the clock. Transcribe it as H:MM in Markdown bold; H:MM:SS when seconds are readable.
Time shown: **3:27:30**
